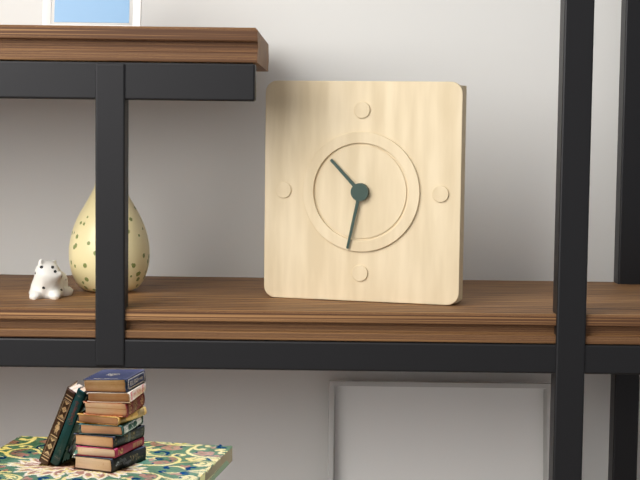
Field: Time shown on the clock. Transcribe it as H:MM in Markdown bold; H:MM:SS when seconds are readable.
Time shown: **10:32**
